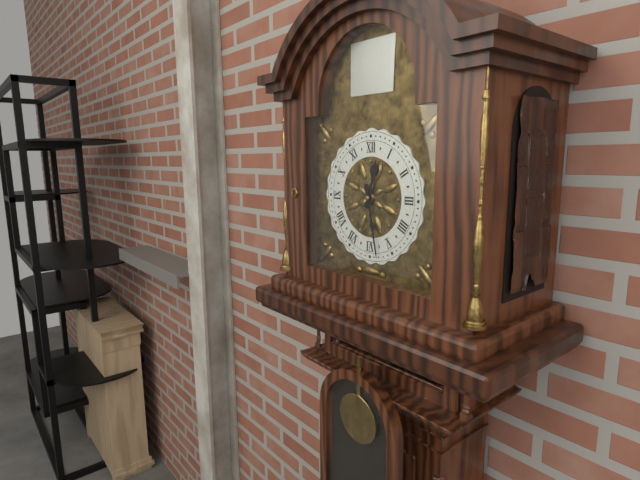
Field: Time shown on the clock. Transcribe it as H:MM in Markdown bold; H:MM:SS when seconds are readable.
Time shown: **12:28**
